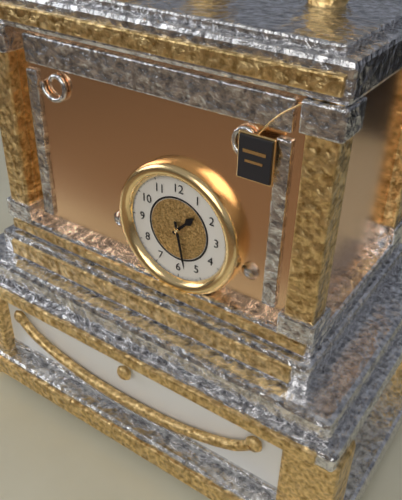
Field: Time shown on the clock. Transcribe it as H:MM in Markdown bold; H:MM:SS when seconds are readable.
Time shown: **1:28**
